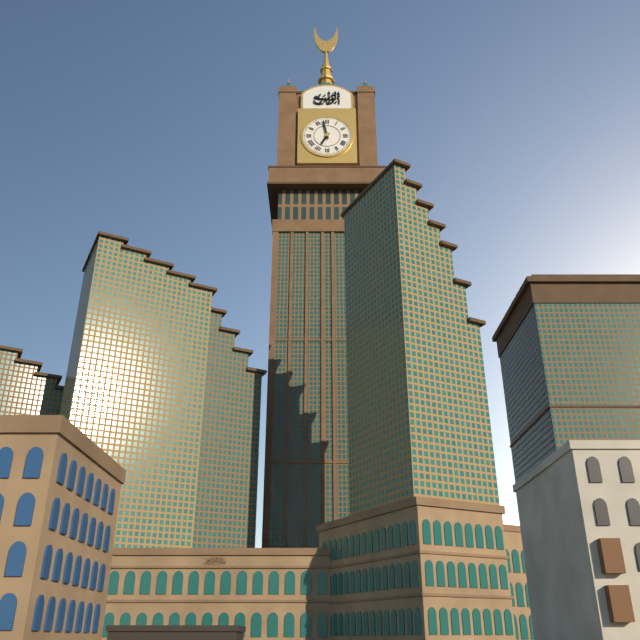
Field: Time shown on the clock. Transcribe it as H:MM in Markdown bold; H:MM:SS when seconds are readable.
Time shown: **6:58**
